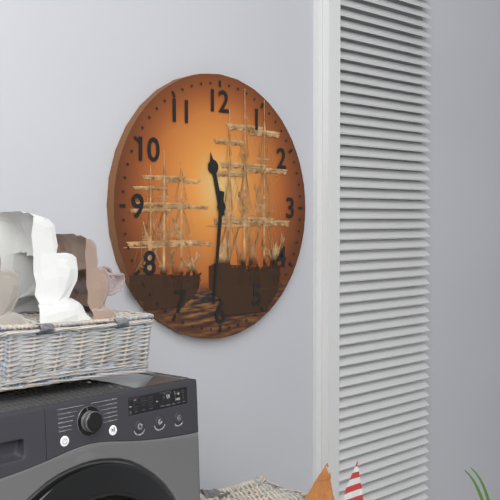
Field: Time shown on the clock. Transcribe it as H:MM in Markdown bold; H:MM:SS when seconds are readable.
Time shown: **11:31**
